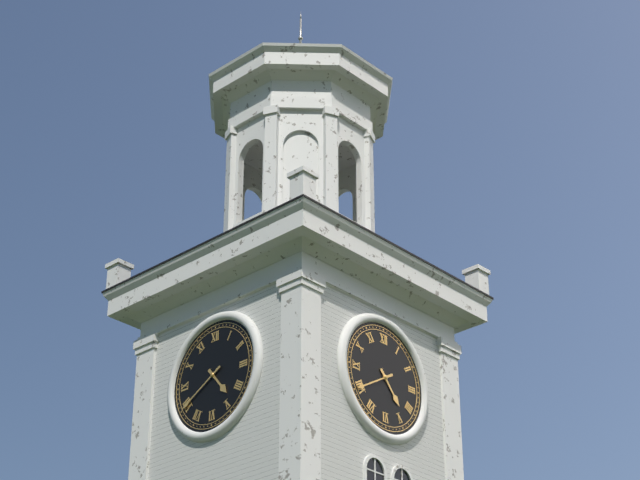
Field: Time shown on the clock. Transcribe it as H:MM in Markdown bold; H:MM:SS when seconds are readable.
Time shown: **4:40**
